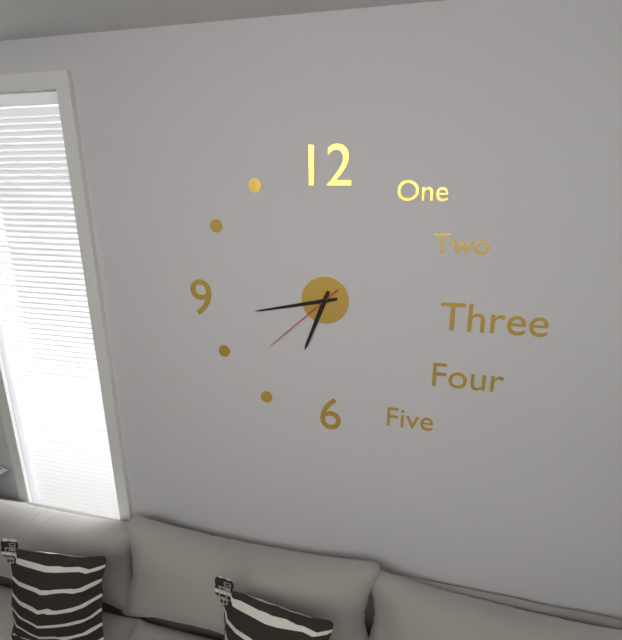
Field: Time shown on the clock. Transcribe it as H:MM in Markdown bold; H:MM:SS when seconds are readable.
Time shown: **6:43:38**
